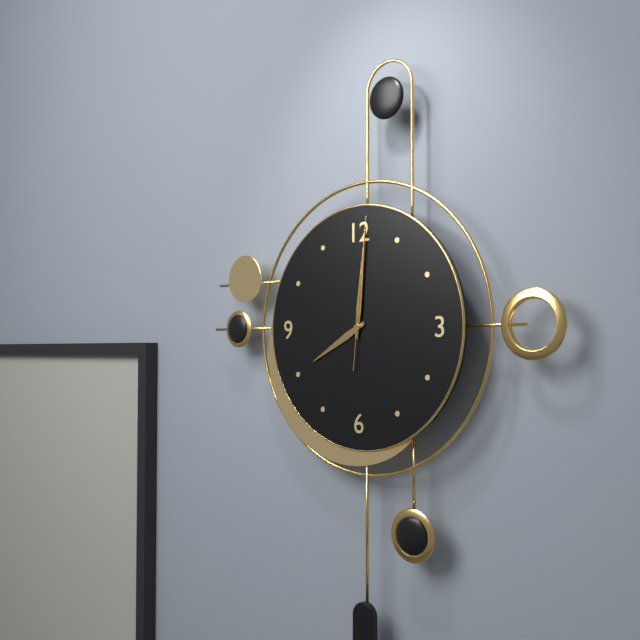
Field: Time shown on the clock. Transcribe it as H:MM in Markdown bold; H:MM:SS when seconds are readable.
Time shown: **8:01:01**
